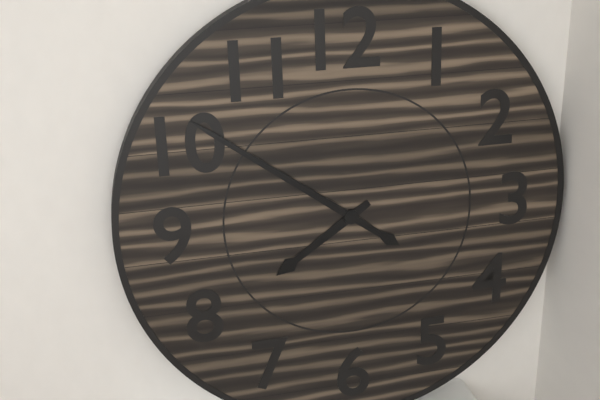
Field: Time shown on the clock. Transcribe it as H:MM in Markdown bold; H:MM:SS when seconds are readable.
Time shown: **7:51**
